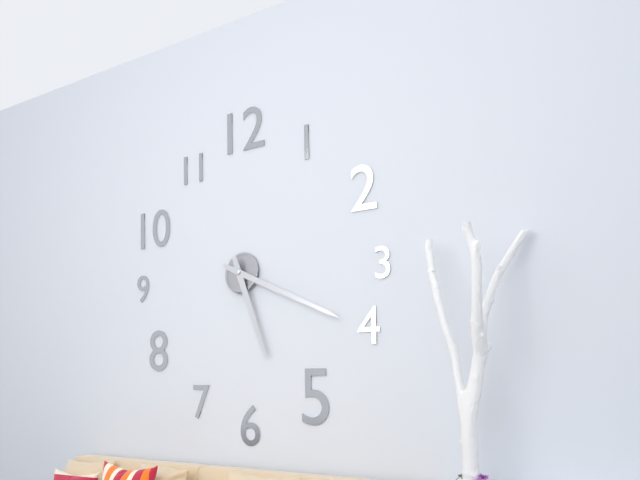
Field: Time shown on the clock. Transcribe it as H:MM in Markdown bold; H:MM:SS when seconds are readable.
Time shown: **5:19**
